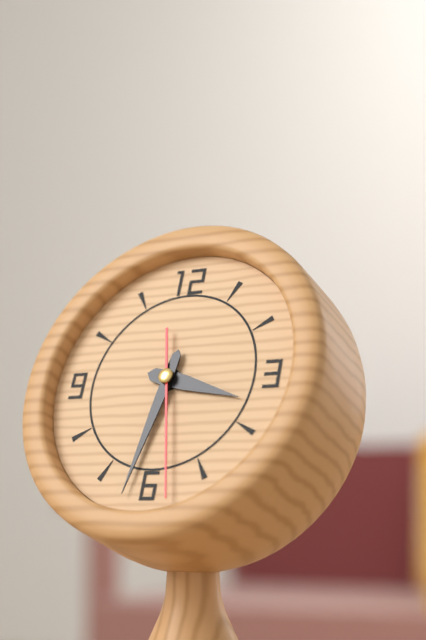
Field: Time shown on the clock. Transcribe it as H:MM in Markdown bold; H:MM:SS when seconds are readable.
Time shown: **3:32:28**
